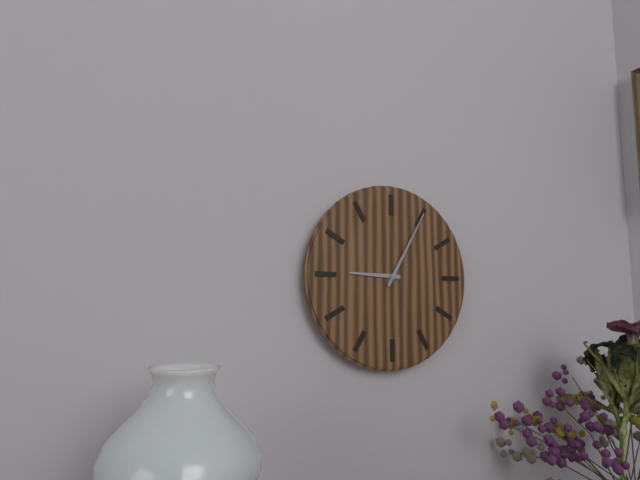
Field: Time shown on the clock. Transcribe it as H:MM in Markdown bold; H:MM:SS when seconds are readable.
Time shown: **9:05**
